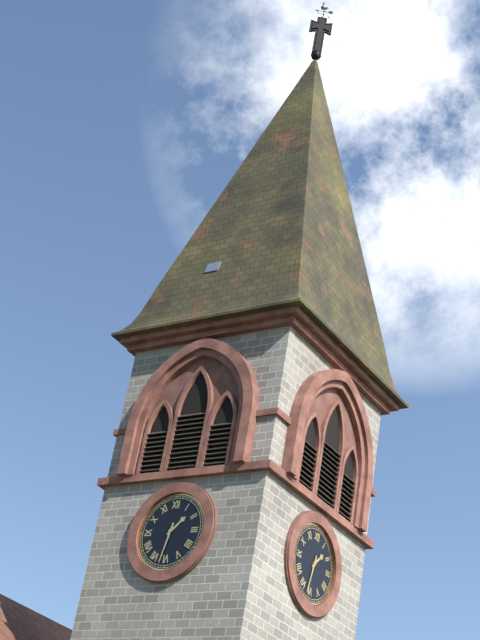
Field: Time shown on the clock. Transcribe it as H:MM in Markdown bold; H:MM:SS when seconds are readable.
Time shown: **1:32**
